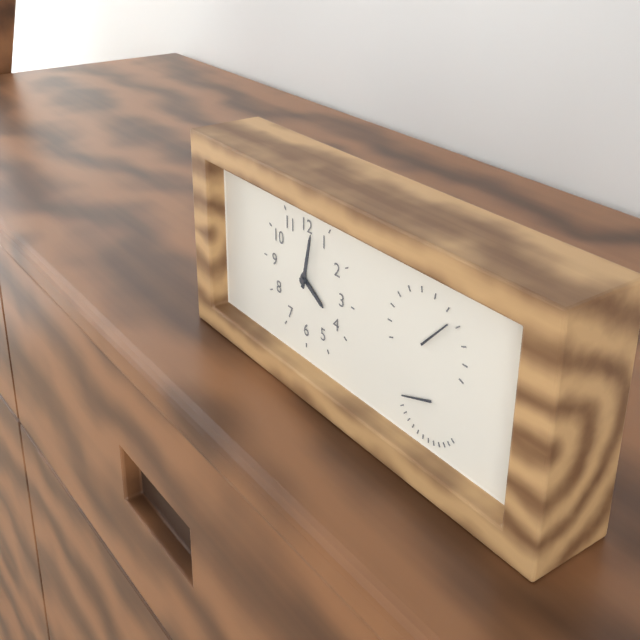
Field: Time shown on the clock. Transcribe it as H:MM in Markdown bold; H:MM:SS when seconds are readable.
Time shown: **4:02**
